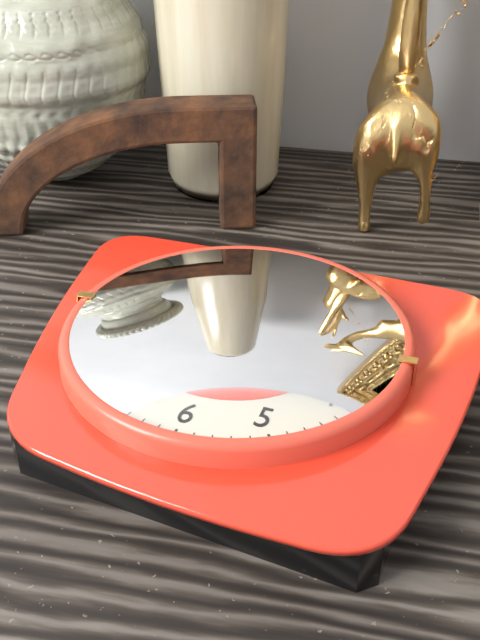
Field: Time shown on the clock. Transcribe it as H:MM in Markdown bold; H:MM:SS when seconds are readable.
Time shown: **1:05:33**
